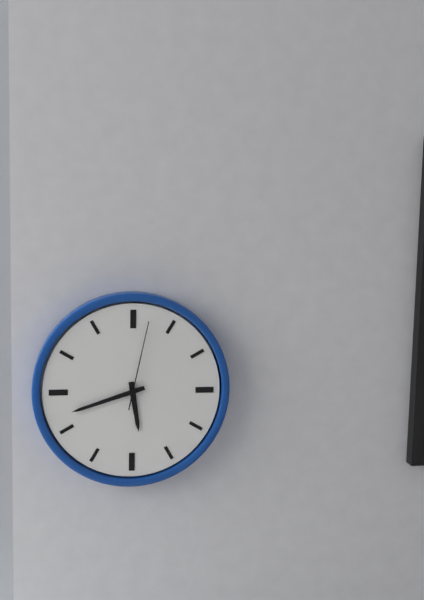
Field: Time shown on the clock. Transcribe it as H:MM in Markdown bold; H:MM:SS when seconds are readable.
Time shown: **5:42:02**
